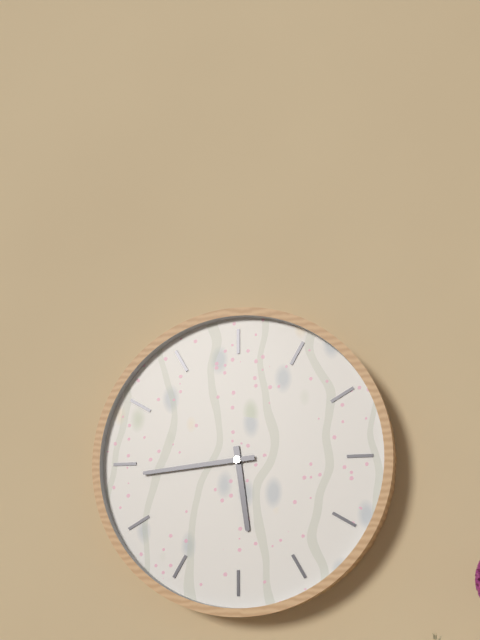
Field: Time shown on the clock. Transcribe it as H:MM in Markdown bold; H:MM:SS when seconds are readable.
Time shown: **5:44**
